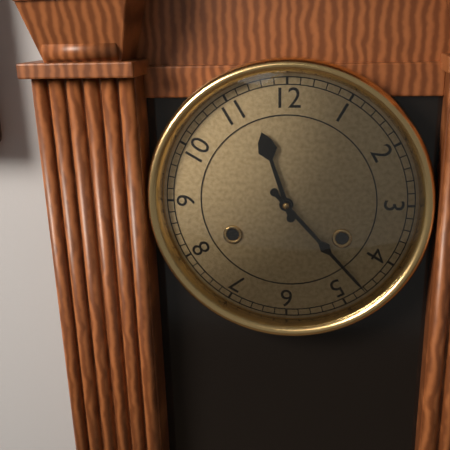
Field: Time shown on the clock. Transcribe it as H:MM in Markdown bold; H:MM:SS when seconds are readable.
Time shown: **11:23**
